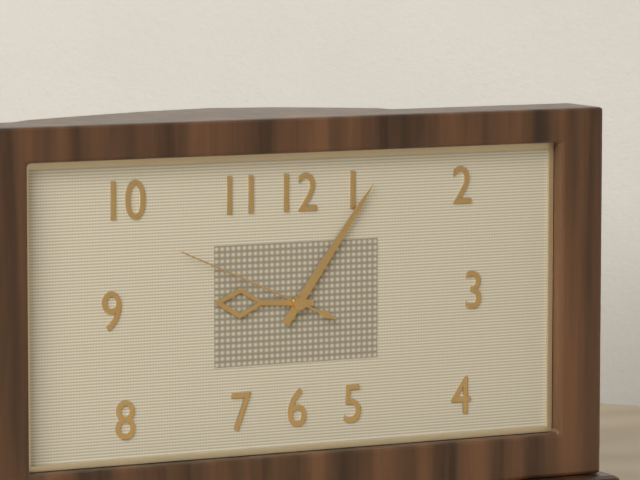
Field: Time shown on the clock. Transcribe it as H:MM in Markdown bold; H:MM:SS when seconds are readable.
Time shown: **9:06:49**
